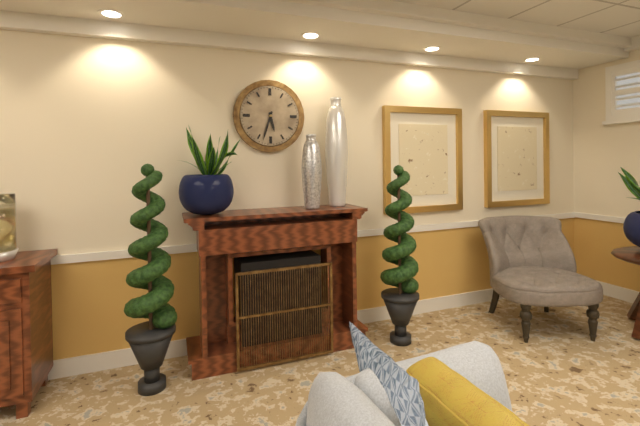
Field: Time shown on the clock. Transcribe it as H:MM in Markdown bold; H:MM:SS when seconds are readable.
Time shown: **5:33**
